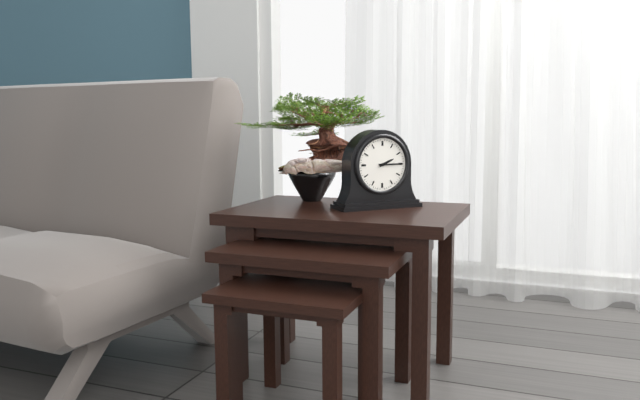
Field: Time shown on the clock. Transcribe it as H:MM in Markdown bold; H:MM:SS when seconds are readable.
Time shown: **2:15**
